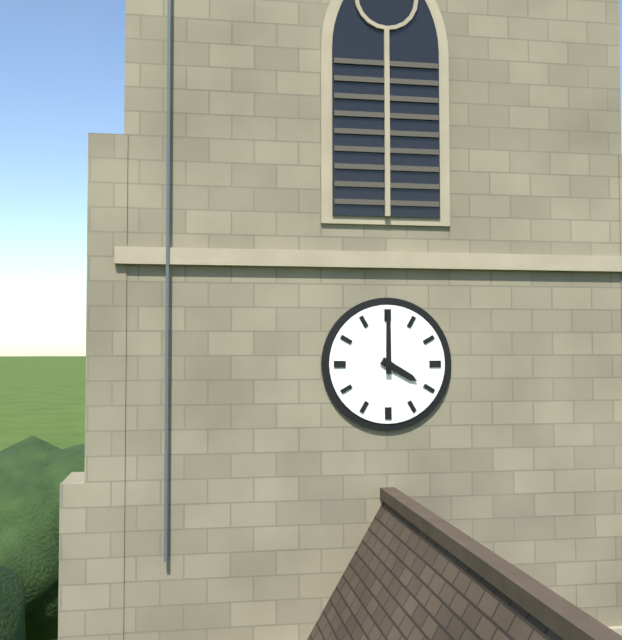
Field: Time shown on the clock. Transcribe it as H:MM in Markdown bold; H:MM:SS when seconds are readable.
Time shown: **4:00**
